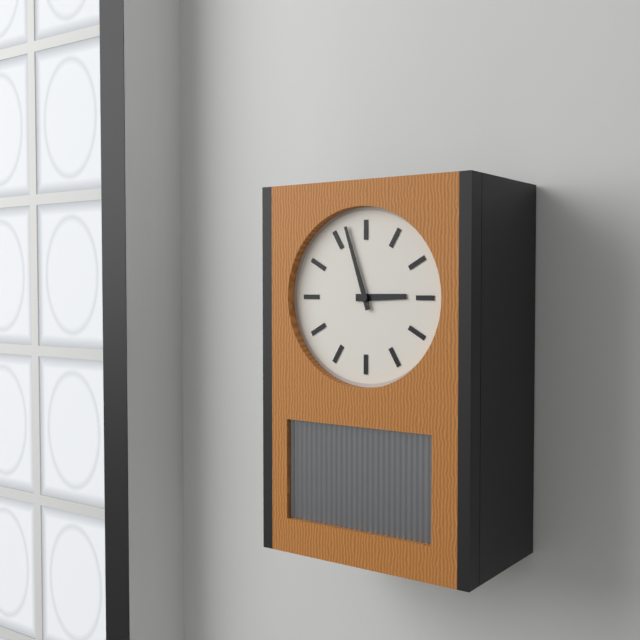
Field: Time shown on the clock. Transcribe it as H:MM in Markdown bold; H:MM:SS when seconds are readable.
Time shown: **2:57**
